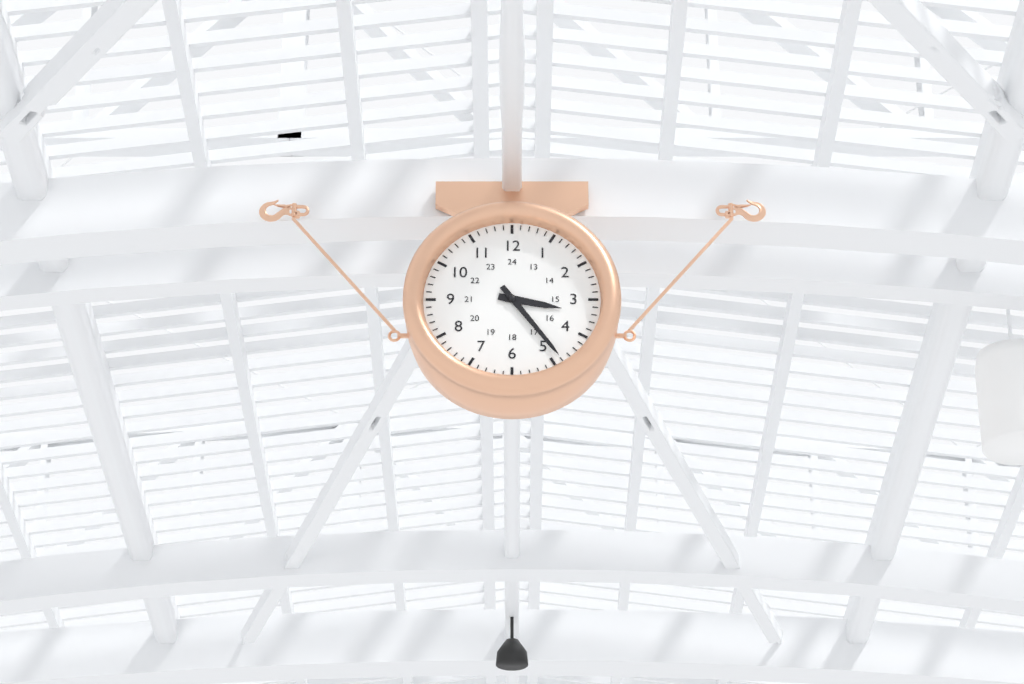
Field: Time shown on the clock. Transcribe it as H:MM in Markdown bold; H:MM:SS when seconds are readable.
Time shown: **3:24**
